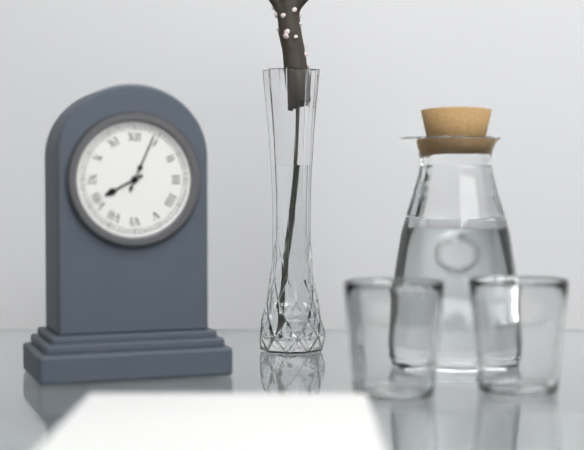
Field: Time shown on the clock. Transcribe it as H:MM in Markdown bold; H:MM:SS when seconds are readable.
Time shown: **8:04**
